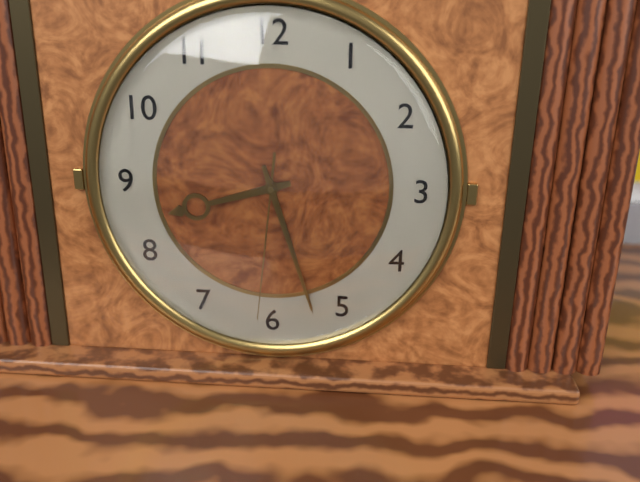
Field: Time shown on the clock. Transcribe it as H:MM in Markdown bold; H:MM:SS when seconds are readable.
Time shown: **8:27:31**
